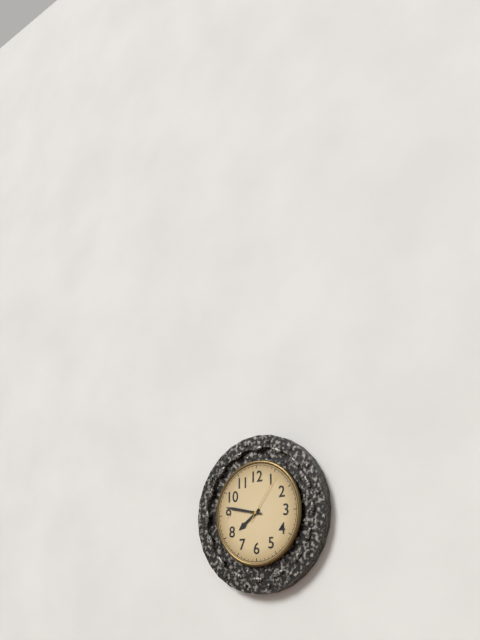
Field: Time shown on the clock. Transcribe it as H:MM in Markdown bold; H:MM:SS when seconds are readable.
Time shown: **7:47:06**
